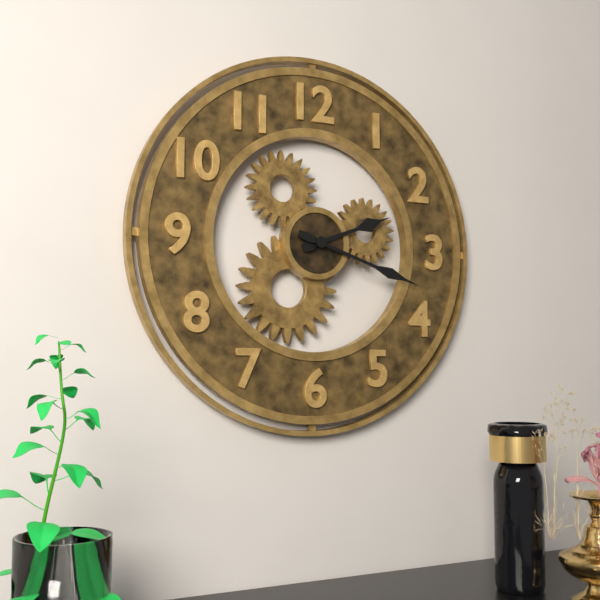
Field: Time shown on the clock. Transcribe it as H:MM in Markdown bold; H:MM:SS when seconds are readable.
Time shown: **2:18**
